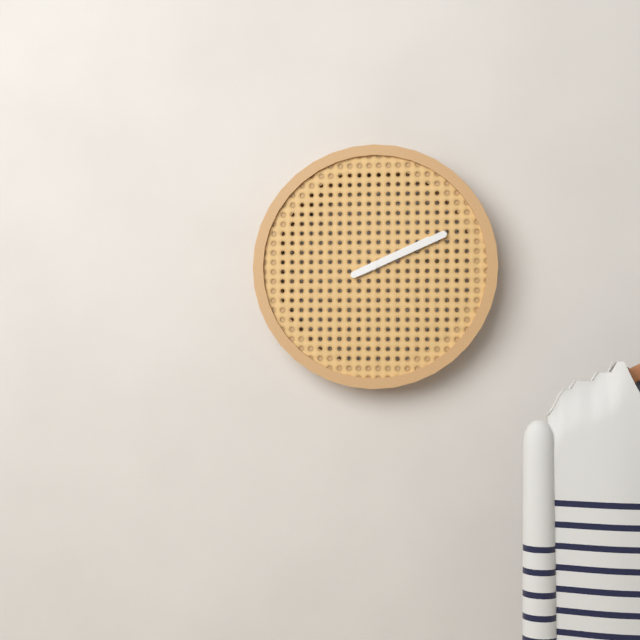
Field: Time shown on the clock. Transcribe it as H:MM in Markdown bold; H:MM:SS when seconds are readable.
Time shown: **2:11**
